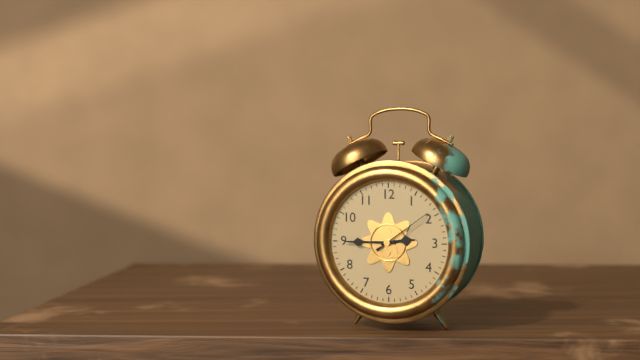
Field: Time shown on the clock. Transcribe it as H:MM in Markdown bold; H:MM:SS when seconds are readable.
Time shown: **2:45:09**
